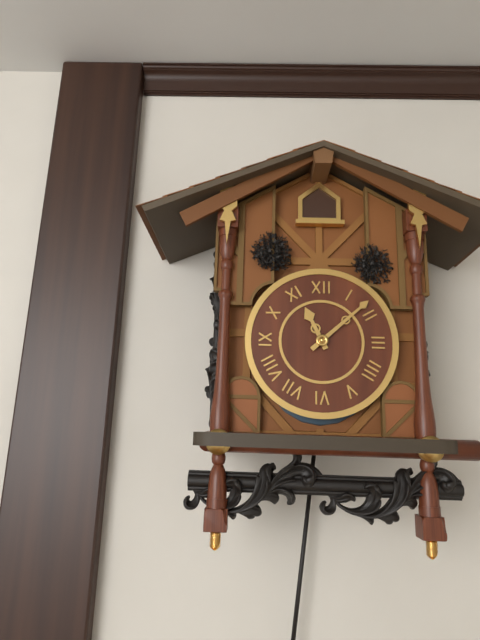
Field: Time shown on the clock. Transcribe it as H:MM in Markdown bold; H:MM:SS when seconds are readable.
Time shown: **11:08**
